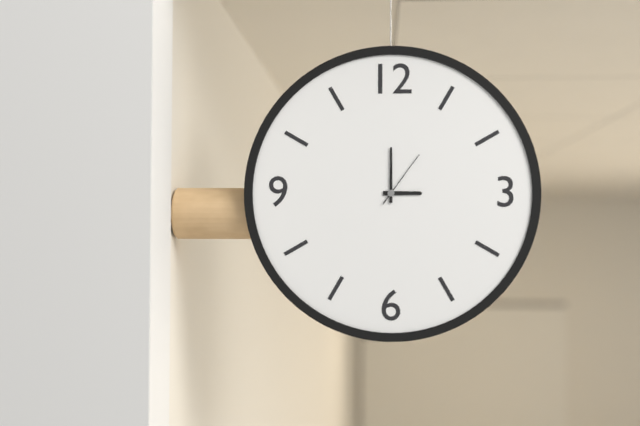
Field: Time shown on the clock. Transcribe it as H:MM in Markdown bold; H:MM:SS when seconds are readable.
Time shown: **3:00:06**
